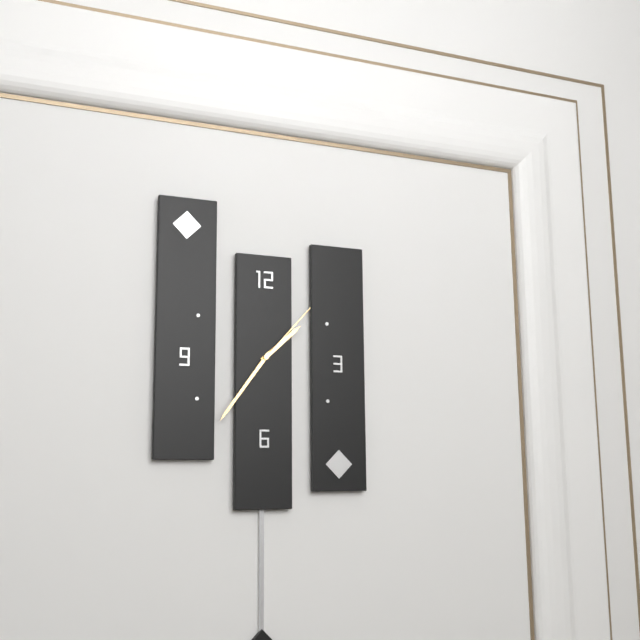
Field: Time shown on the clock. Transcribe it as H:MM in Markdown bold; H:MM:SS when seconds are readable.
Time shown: **1:36:07**
